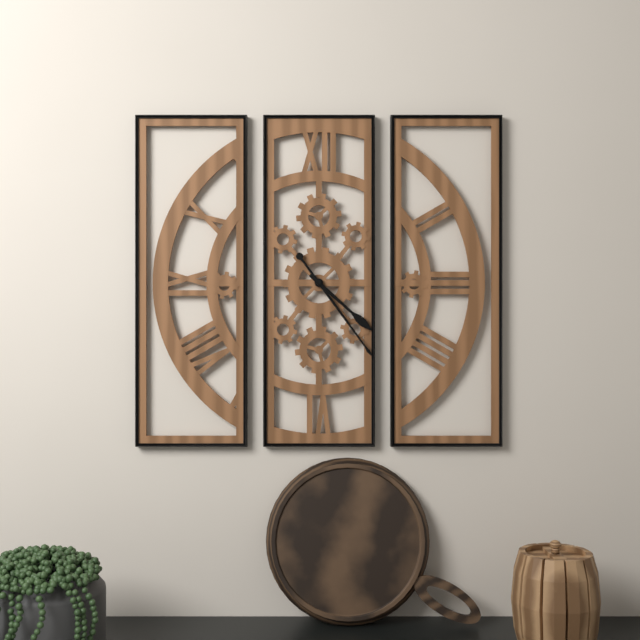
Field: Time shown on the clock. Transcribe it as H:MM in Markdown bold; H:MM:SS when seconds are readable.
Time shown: **4:24**
